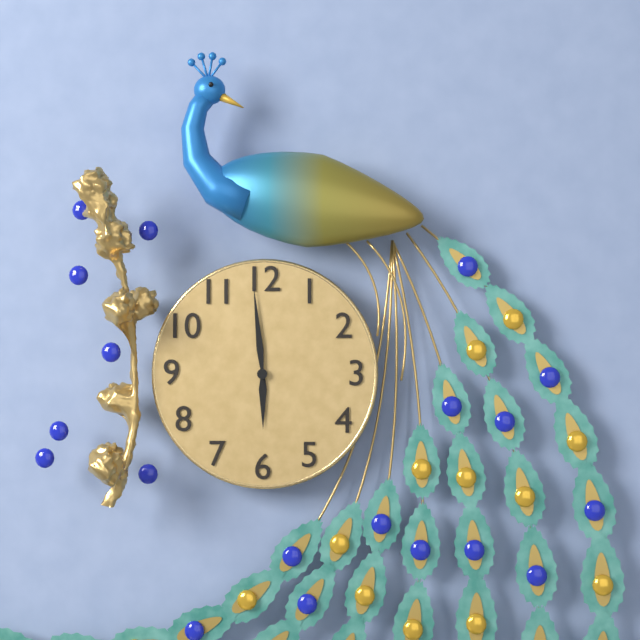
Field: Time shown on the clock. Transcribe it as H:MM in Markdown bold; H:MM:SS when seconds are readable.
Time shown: **5:59**
